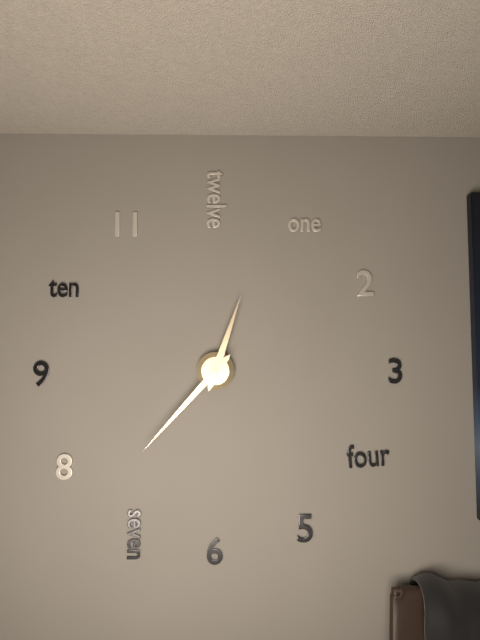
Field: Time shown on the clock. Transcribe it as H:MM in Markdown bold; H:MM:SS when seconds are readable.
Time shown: **12:37**
